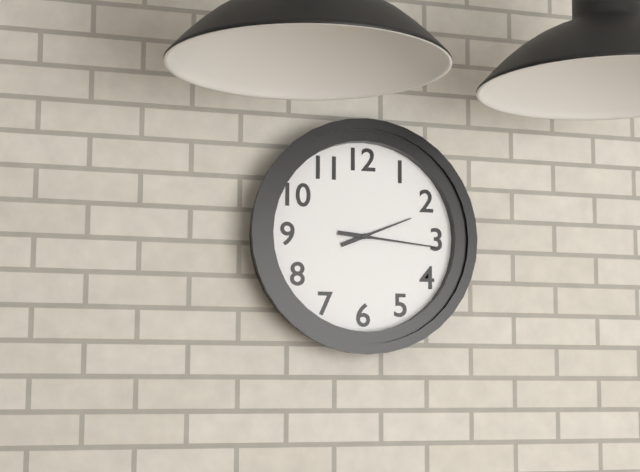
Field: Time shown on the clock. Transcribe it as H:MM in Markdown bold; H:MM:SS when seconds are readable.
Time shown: **2:16**
